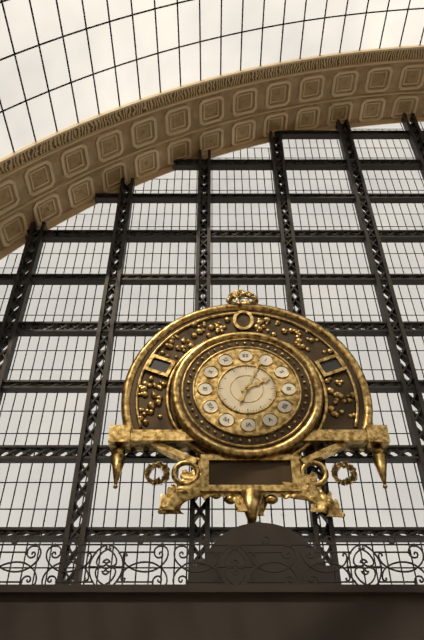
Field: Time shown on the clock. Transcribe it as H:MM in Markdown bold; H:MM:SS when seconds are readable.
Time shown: **2:04**
